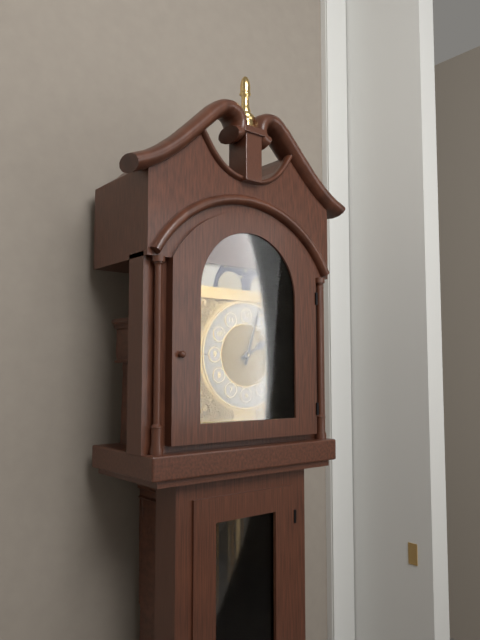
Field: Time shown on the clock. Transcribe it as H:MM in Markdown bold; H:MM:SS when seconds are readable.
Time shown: **2:03**
